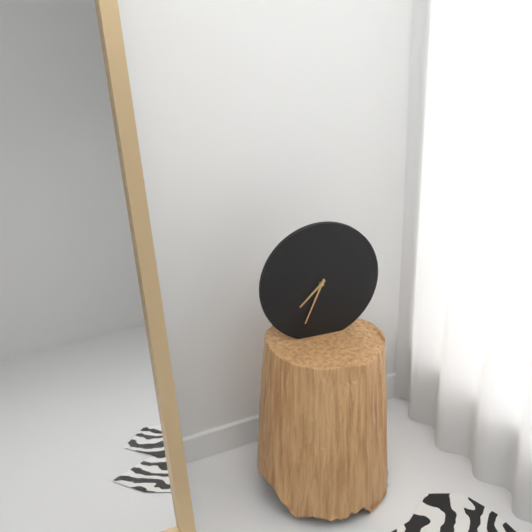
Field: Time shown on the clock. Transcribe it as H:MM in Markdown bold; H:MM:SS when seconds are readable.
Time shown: **7:34**
